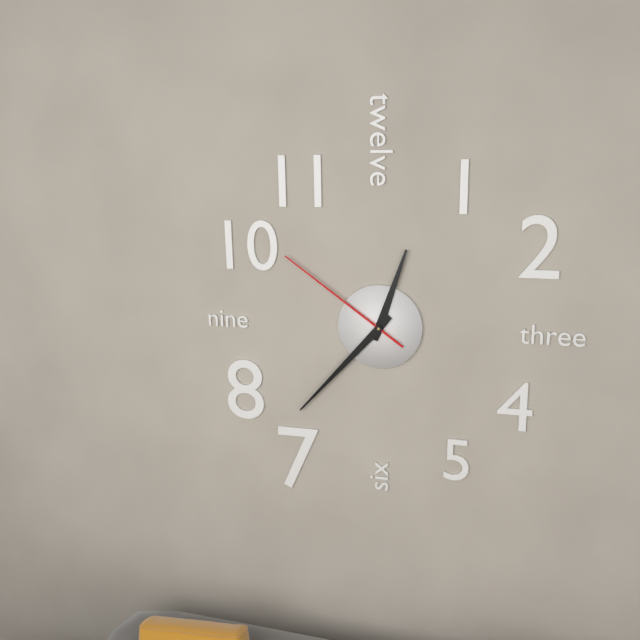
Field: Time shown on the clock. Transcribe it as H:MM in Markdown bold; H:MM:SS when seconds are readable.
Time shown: **12:37:51**
